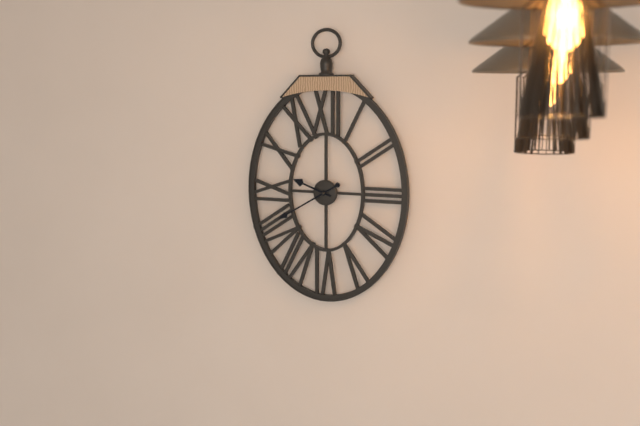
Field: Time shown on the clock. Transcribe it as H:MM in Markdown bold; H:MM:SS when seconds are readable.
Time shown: **9:40**
